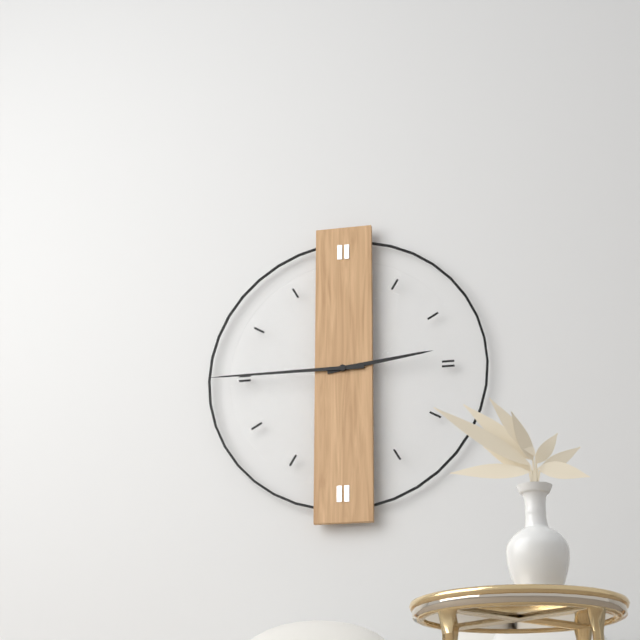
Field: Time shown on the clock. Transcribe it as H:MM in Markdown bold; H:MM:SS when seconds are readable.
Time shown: **2:45**
